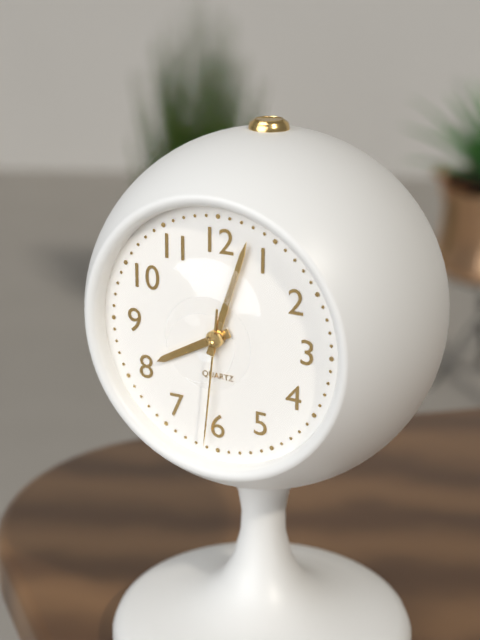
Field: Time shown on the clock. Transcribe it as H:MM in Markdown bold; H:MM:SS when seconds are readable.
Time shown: **8:03:31**
